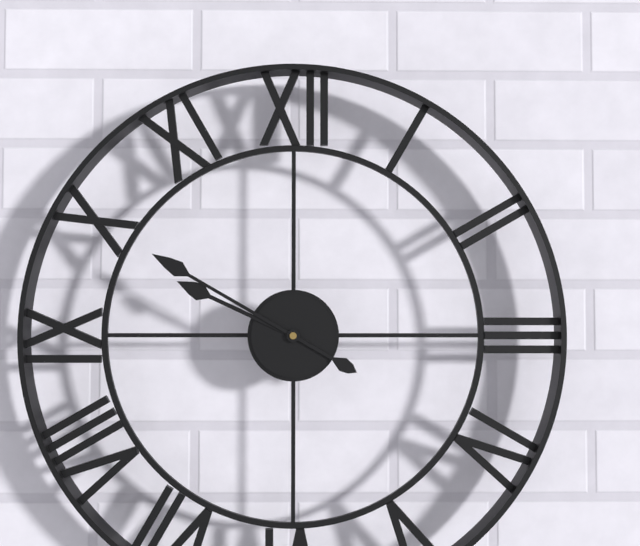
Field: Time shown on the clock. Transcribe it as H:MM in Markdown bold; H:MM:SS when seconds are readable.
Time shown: **9:50**
